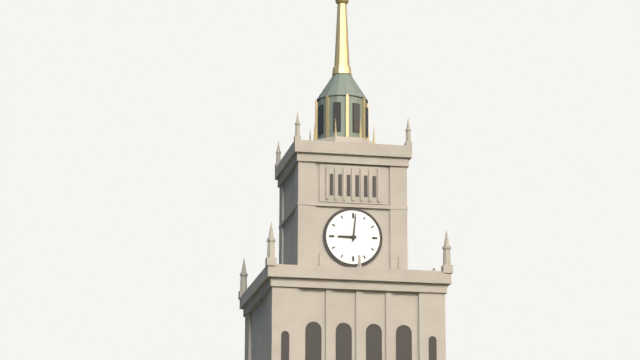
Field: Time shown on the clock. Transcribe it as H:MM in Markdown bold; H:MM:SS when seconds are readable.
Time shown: **9:01**
